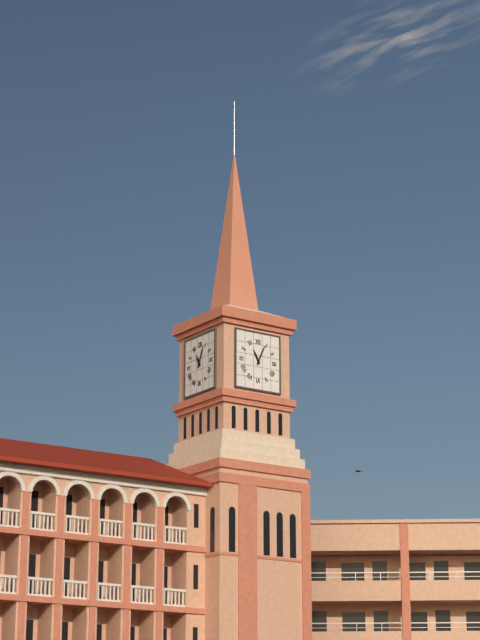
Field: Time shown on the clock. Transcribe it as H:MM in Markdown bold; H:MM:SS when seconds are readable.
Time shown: **11:04**
